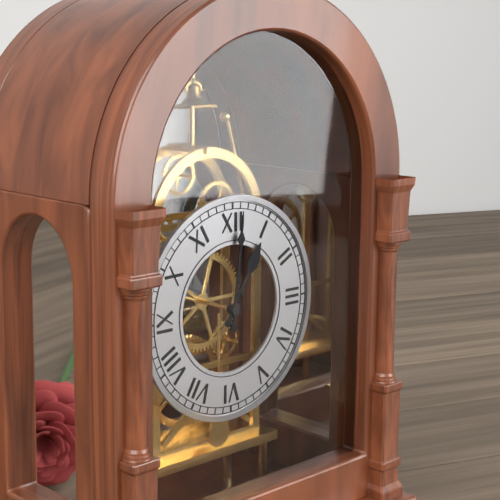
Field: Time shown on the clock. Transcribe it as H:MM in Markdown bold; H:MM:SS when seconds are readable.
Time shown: **1:01**
